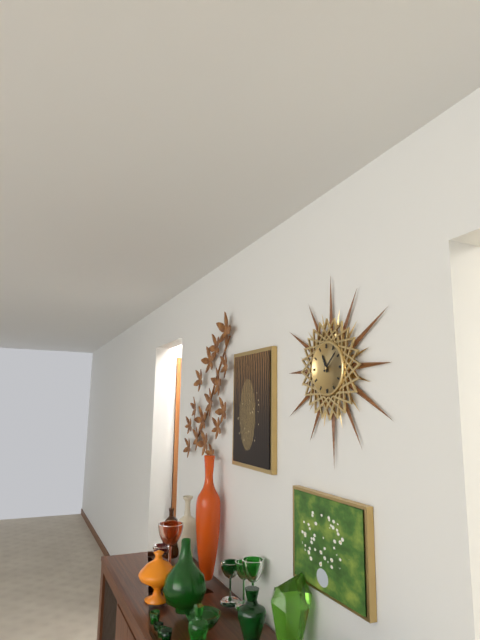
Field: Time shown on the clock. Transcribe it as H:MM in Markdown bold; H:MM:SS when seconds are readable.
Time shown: **11:08**
